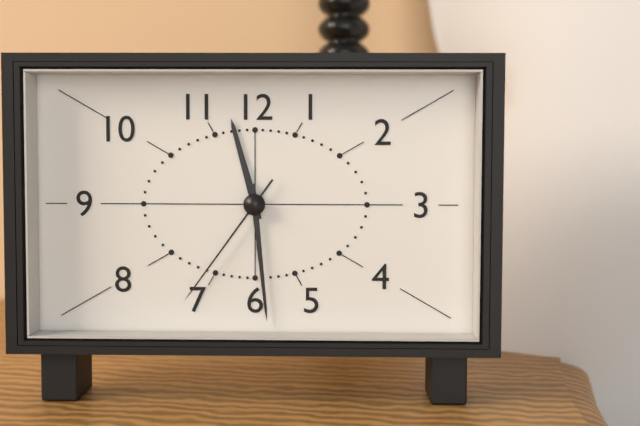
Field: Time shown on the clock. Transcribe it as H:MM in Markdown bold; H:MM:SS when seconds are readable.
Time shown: **11:29:36**
